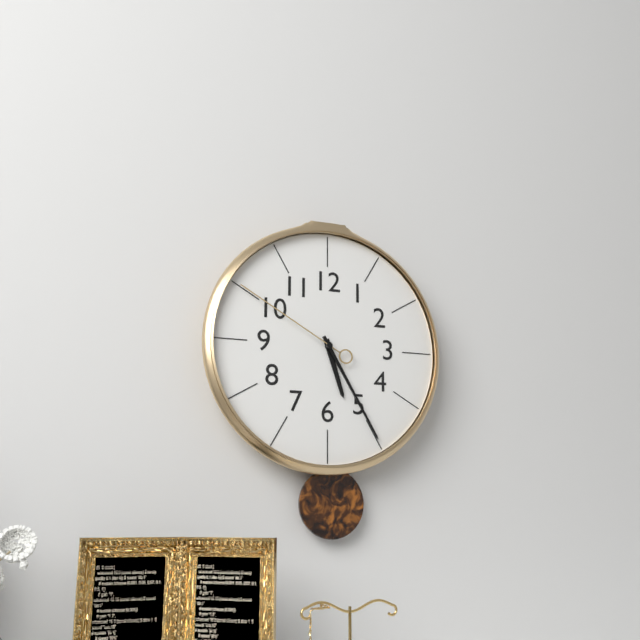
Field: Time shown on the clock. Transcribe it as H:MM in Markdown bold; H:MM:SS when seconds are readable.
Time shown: **5:25:50**
